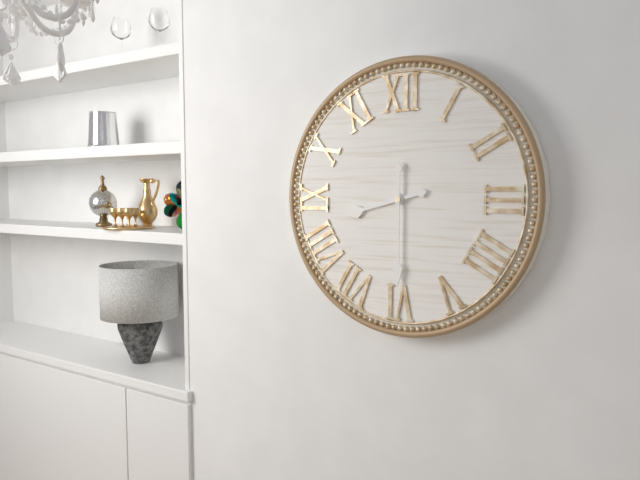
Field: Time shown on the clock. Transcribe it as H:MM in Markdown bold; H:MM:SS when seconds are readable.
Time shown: **8:30**
